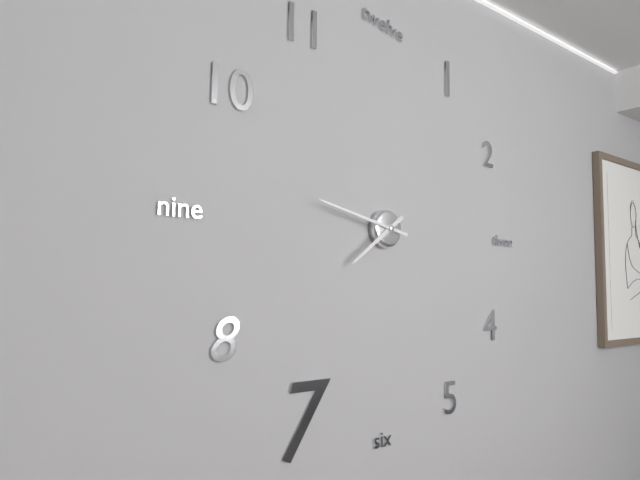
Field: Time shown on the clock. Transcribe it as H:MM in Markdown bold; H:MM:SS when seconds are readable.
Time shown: **7:47**
